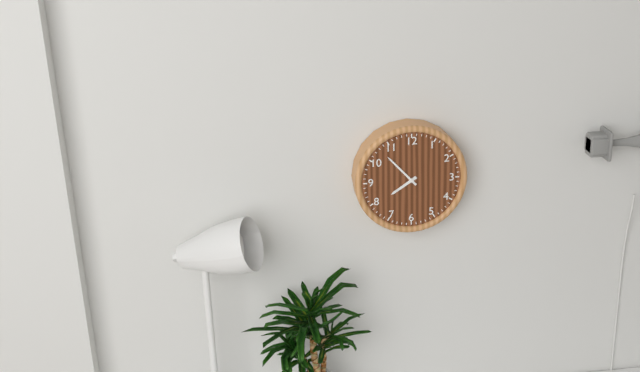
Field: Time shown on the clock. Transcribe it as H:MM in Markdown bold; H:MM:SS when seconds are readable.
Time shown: **7:53**
